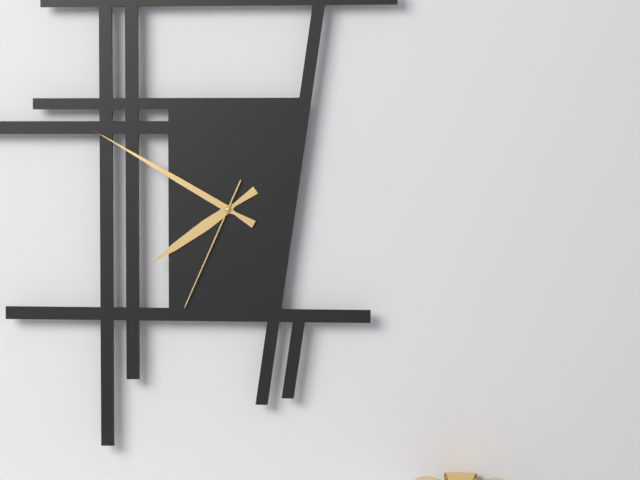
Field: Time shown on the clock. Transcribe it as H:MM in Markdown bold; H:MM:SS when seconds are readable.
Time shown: **7:50:34**
